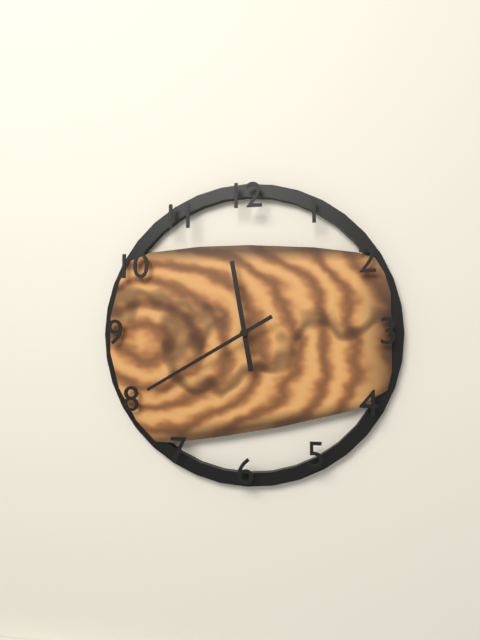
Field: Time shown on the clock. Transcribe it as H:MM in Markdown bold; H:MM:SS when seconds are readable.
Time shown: **11:40**
